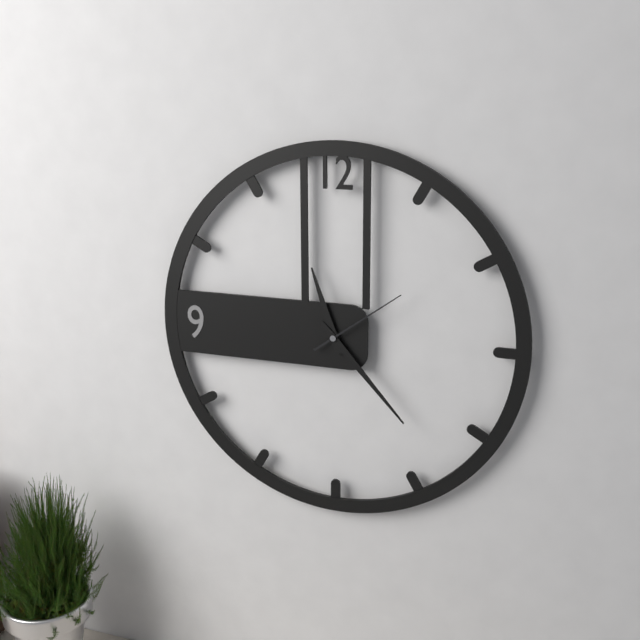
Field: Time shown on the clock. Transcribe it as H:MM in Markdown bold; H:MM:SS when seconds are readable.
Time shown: **11:23:09**
